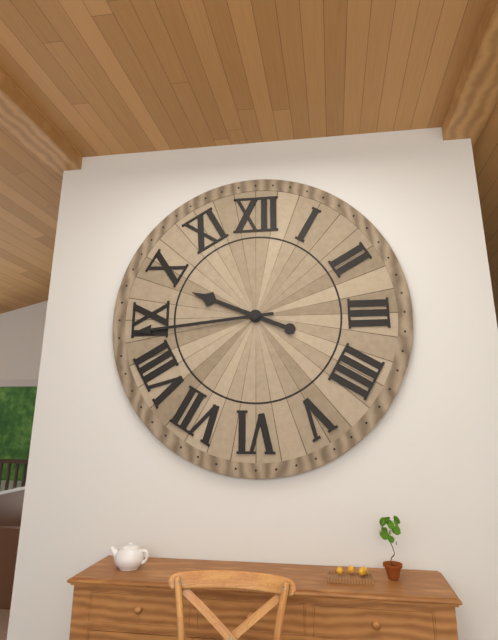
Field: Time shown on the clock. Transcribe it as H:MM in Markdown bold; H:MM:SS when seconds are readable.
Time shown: **9:44**
